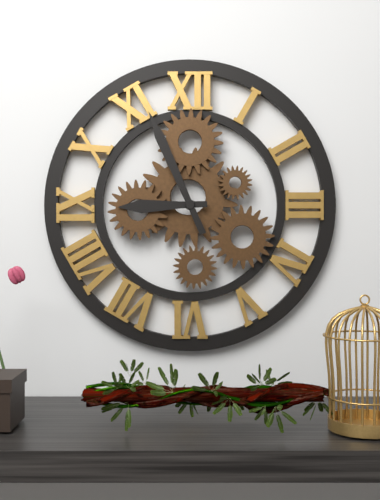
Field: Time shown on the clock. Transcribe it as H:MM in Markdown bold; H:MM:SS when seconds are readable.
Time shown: **8:56**
